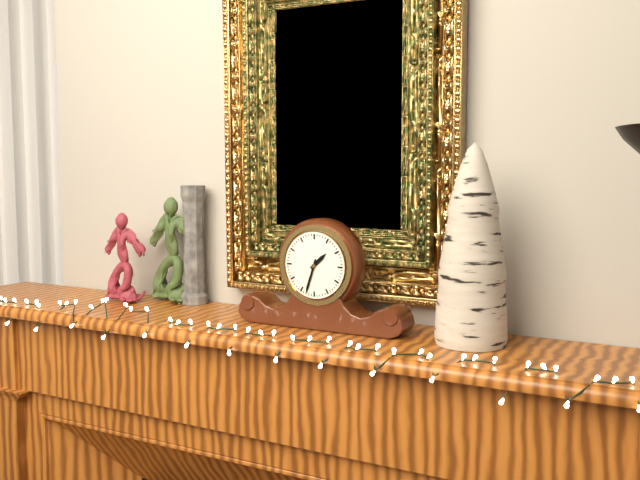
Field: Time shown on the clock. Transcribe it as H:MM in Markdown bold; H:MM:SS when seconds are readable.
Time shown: **1:33**
